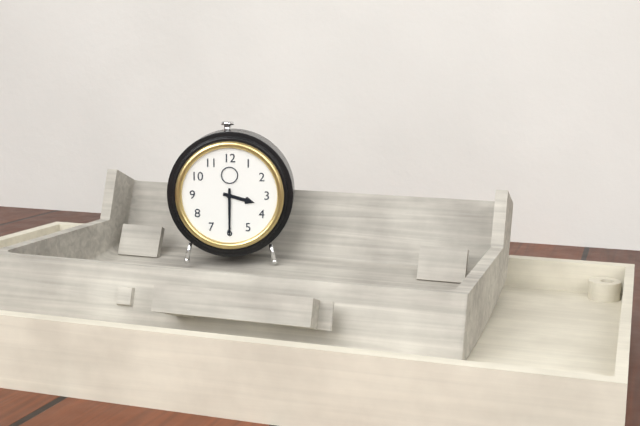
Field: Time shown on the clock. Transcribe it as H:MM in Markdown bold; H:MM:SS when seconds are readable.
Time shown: **3:30**
